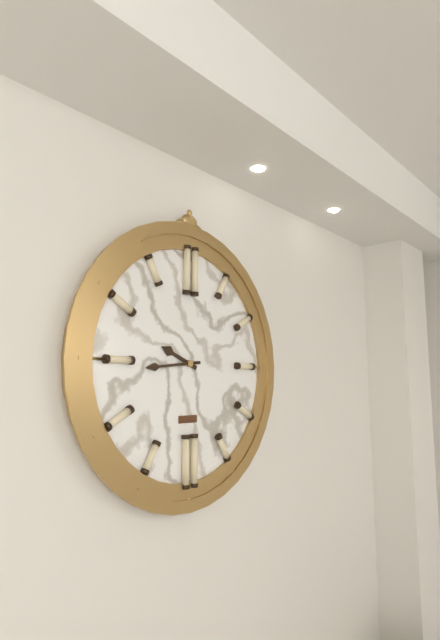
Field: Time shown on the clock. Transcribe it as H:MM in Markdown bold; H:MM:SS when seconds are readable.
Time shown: **9:44**
